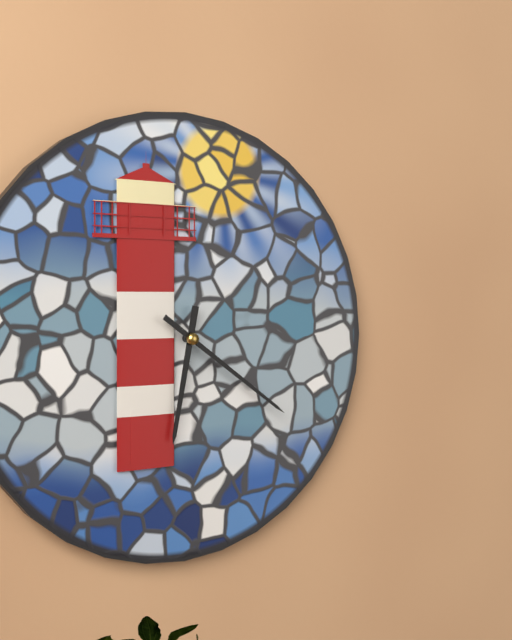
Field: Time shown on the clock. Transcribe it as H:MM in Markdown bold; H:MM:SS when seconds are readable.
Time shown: **6:21**
